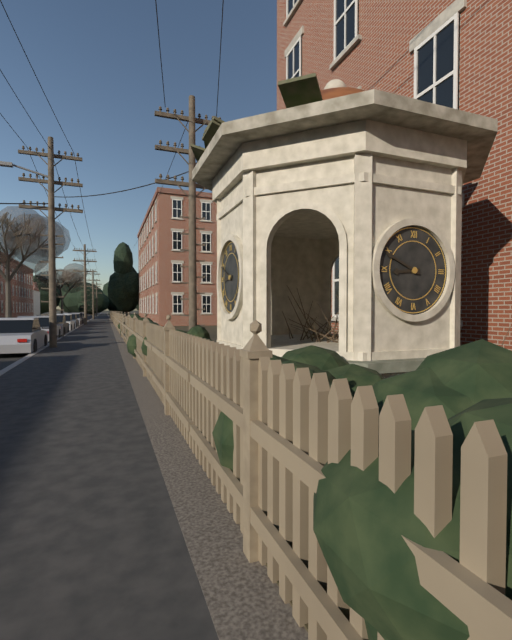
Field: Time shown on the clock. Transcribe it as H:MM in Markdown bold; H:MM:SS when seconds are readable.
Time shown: **8:49**
